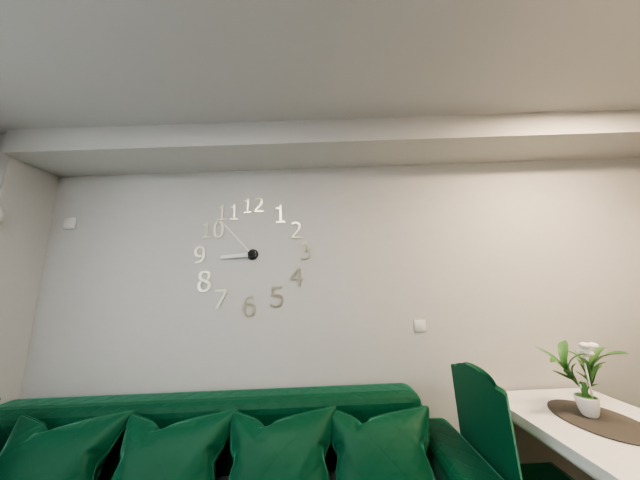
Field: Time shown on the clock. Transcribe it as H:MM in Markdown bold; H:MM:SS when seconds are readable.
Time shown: **8:53**
